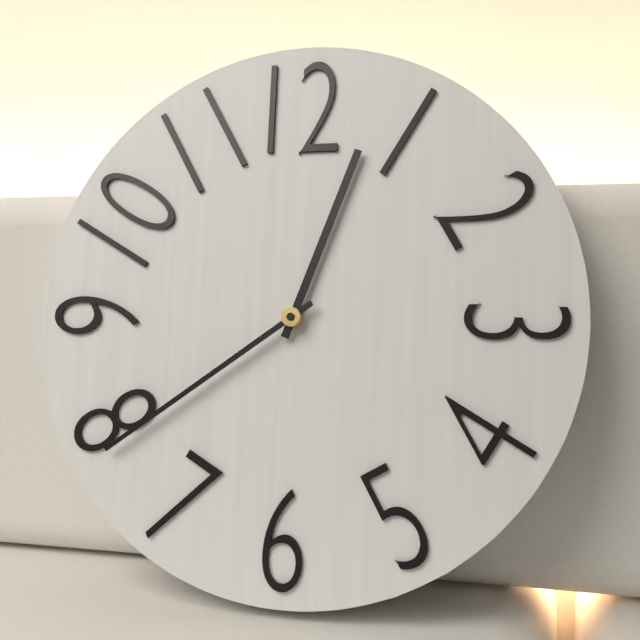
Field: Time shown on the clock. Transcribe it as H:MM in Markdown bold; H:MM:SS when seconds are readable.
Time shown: **12:39**
